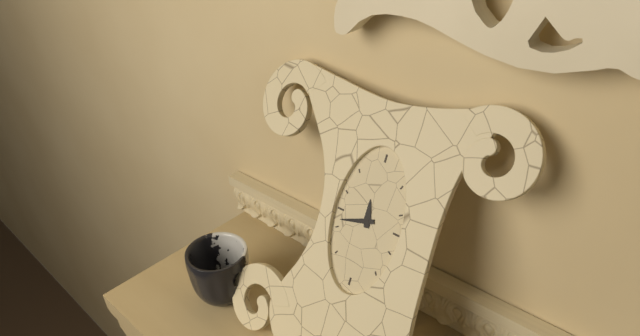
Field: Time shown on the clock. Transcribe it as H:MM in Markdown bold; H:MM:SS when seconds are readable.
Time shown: **11:42**
